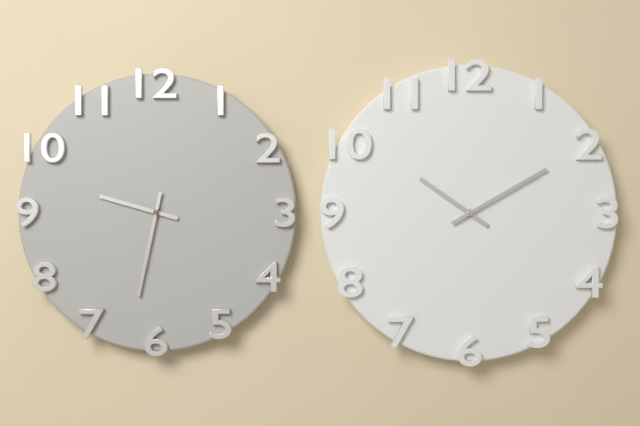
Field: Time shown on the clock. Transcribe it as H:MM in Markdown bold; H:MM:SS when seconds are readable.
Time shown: **9:32**
